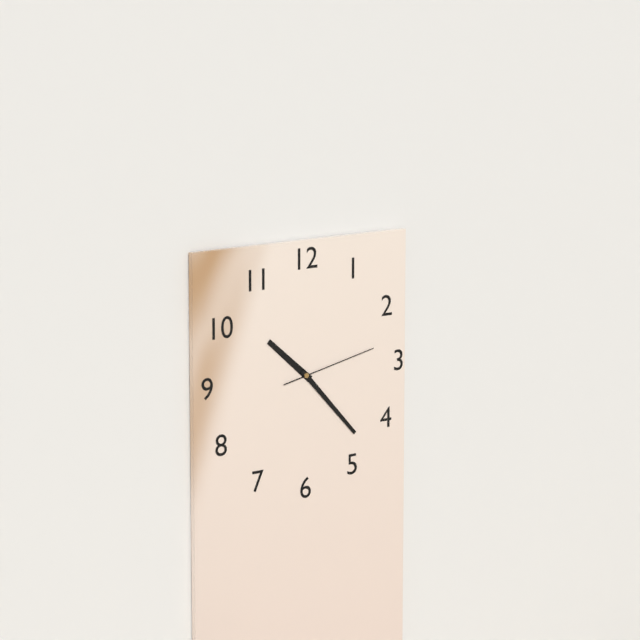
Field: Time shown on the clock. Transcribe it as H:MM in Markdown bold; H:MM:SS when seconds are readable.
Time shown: **10:23:13**
